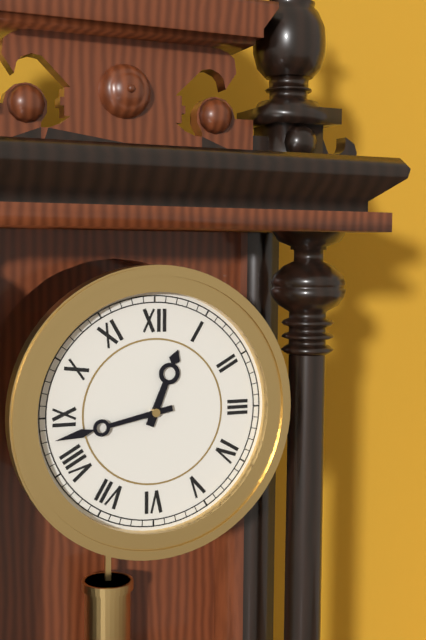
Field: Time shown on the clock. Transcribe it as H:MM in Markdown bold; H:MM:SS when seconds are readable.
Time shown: **12:43**
